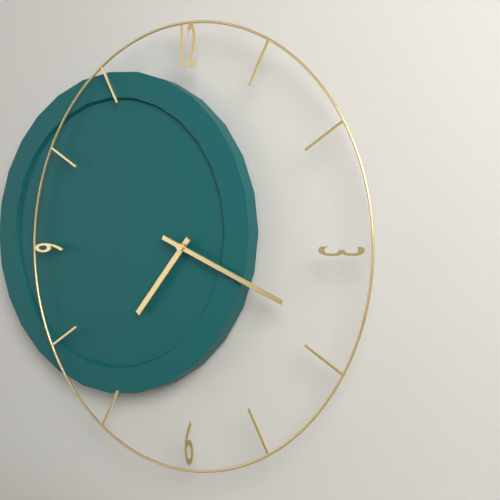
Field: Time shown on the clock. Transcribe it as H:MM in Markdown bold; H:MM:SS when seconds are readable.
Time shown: **7:19**
